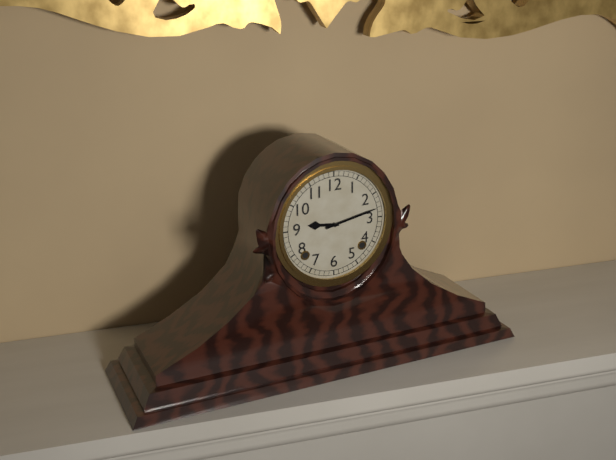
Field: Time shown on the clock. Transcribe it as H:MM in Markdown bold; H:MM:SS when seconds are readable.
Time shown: **9:13**
